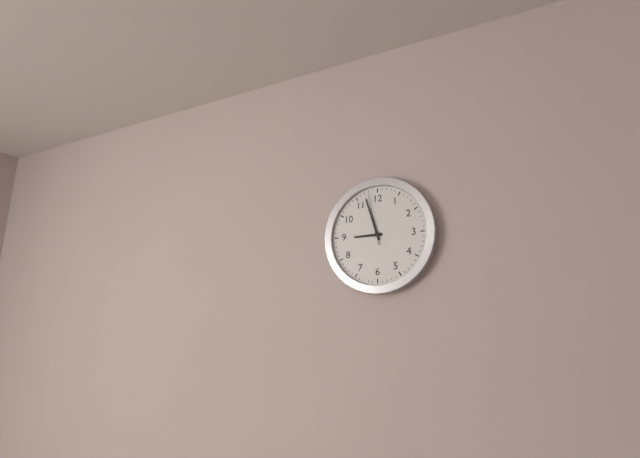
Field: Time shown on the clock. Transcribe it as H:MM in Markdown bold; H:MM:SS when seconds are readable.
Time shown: **8:57:58**
